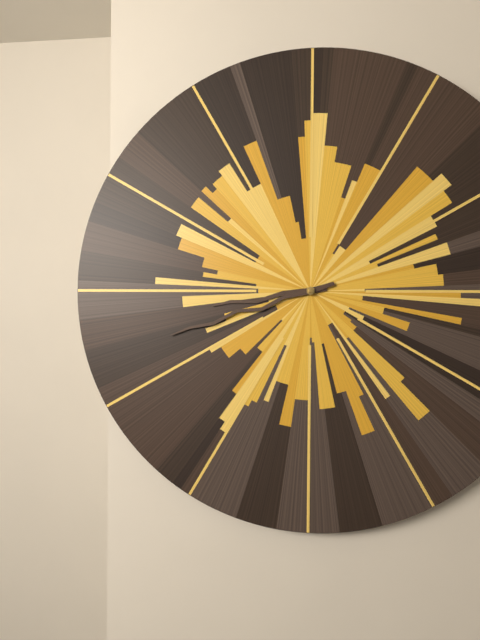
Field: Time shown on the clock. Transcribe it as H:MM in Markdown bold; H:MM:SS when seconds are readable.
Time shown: **8:42**
